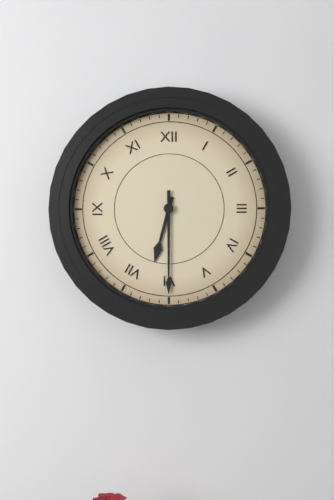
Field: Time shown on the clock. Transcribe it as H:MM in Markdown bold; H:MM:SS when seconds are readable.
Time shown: **6:30**
